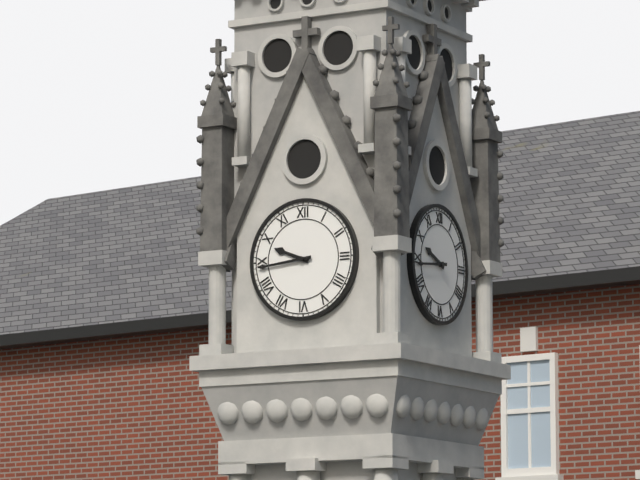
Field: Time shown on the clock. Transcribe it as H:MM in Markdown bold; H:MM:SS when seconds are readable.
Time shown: **9:44**
